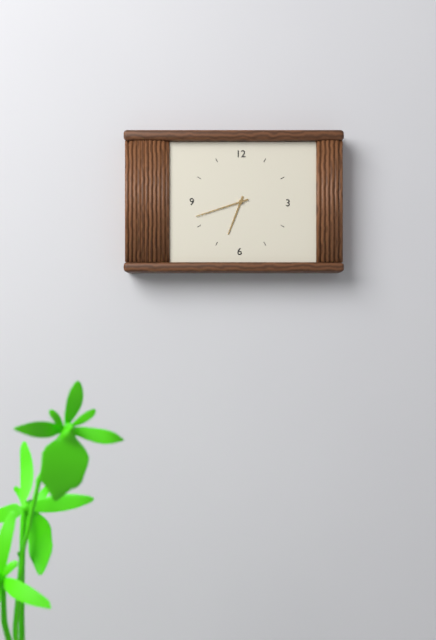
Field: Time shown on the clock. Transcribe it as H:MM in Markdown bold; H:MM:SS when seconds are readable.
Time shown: **6:42**
